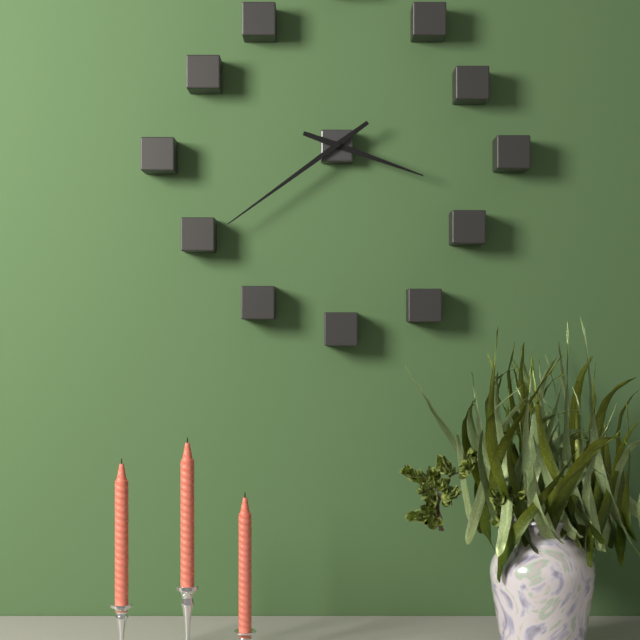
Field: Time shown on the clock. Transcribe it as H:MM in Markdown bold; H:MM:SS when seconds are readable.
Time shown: **3:39**
